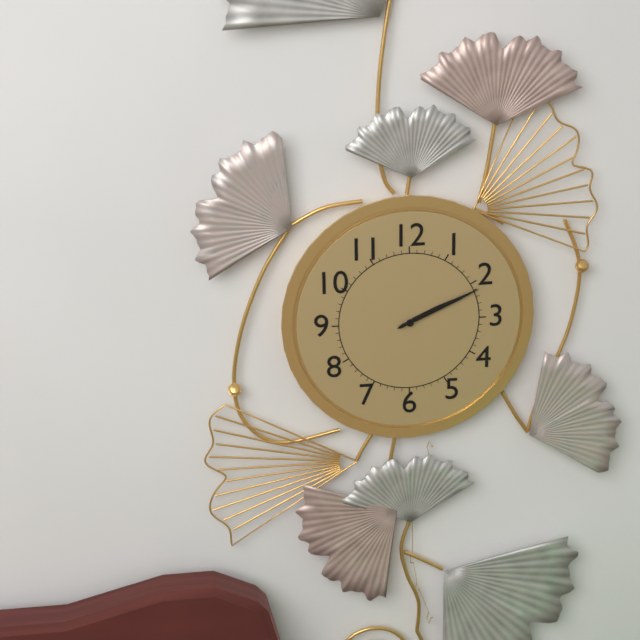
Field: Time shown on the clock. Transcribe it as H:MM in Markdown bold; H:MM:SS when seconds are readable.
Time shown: **2:11**
